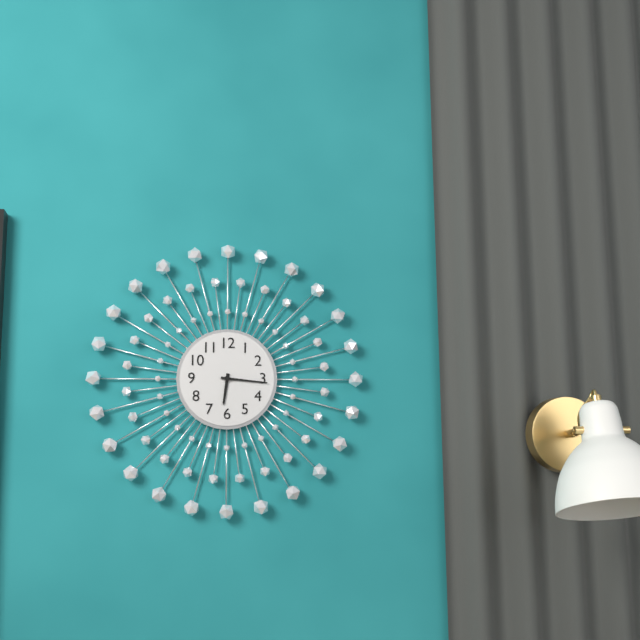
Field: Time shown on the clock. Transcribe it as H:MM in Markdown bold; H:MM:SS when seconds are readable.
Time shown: **6:16**
